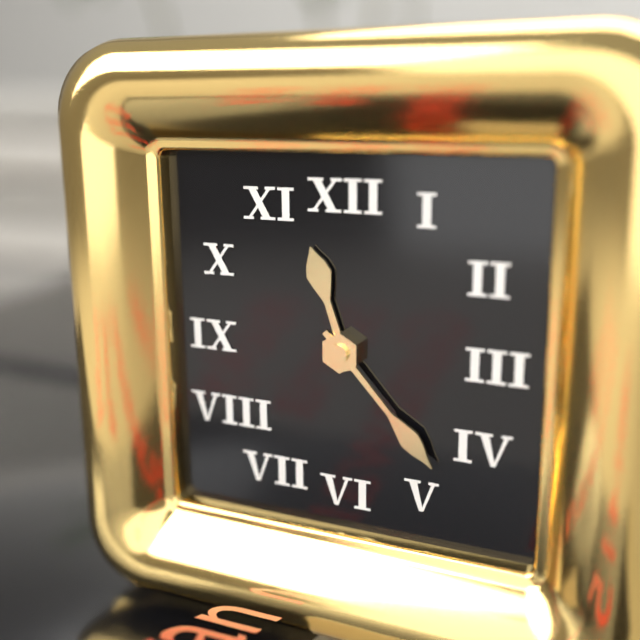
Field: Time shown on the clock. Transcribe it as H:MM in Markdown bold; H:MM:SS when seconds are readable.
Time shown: **11:23**
